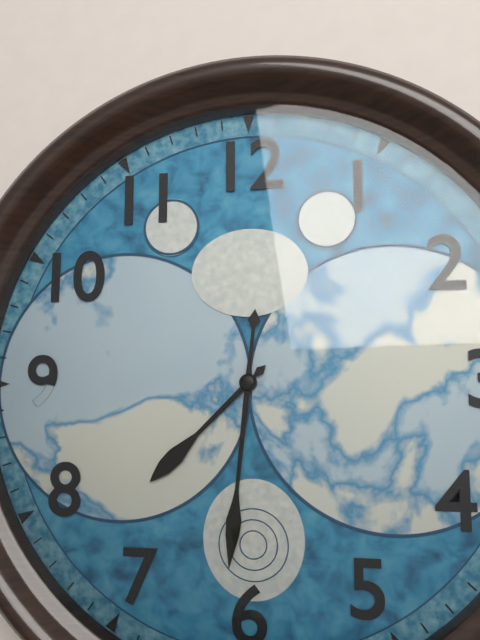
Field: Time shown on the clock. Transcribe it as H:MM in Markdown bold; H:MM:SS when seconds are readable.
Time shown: **7:31**
